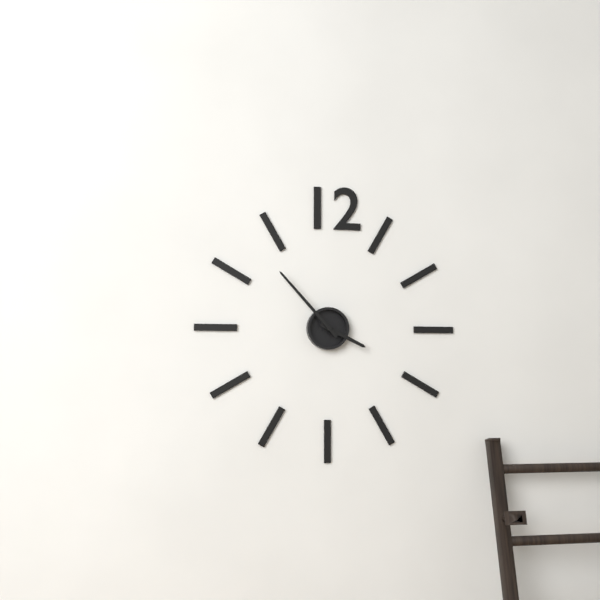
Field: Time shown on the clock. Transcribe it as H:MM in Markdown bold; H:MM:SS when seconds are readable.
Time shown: **3:53**
